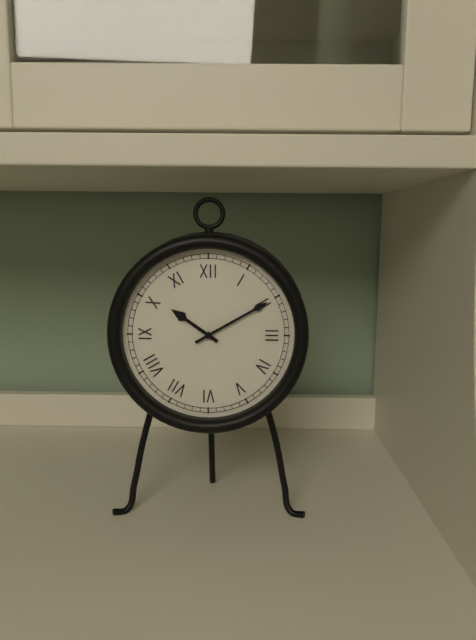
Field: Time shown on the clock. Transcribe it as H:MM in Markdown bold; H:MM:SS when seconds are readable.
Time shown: **10:10**
